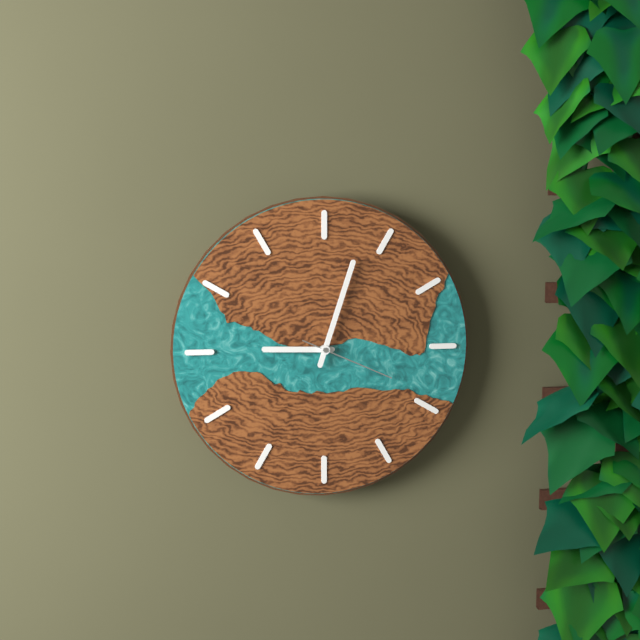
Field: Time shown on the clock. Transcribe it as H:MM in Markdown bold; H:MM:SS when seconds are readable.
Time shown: **9:03:19**
